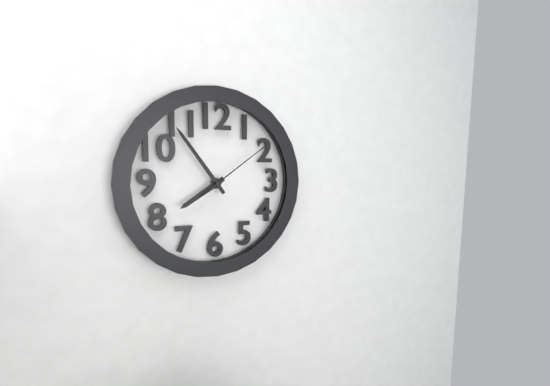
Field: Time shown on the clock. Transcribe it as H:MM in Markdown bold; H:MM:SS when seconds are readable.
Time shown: **7:54:09**
